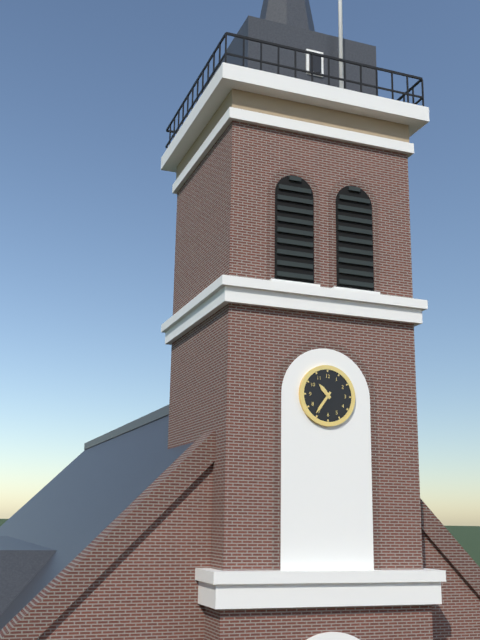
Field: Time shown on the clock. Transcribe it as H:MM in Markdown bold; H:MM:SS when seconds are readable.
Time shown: **10:36**
